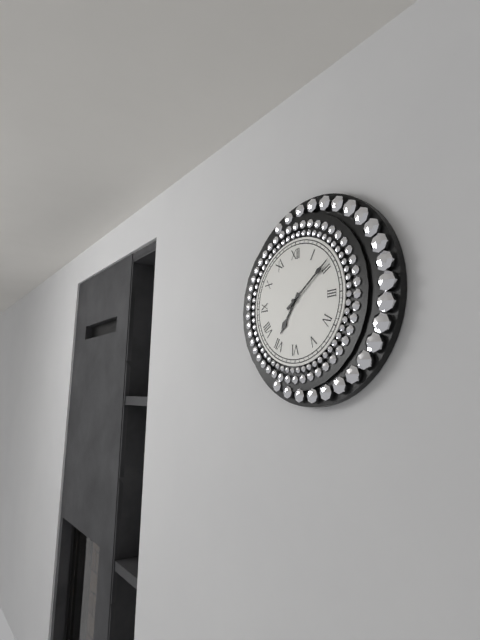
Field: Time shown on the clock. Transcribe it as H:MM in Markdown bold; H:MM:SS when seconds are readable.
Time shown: **7:09**
